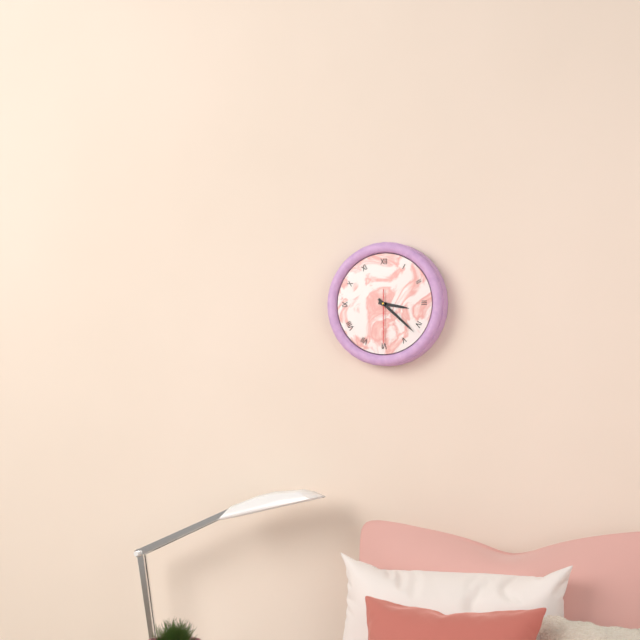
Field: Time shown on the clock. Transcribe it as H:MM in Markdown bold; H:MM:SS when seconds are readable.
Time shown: **3:22:30**
